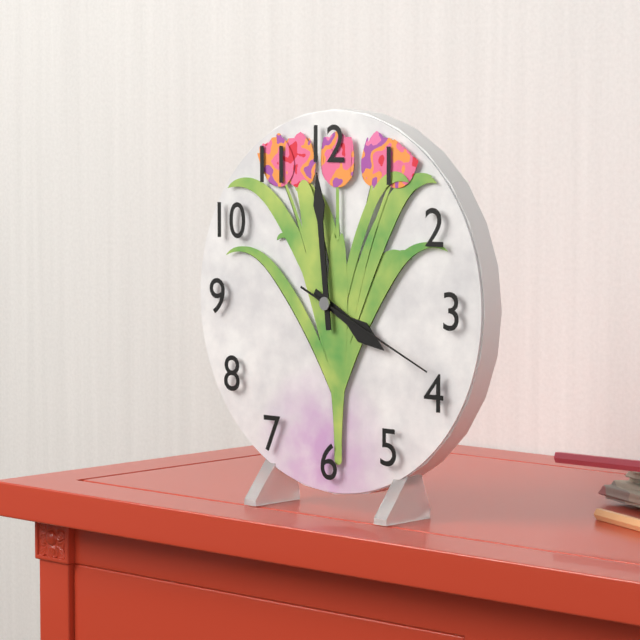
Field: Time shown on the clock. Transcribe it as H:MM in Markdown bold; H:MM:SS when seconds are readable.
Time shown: **3:59:19**
